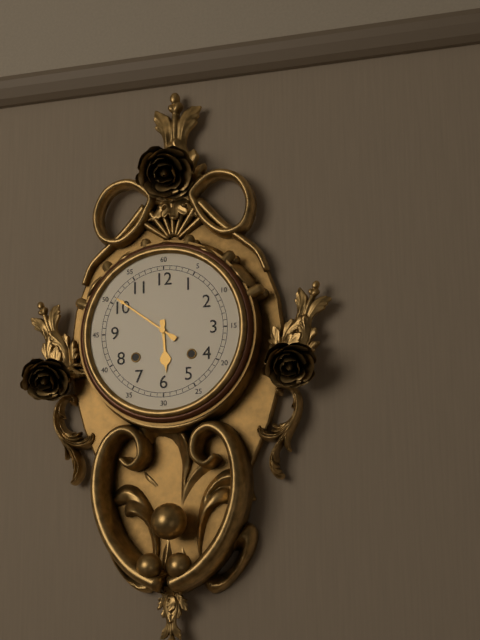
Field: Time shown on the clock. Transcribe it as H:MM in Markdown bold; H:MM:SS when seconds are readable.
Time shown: **5:51**
